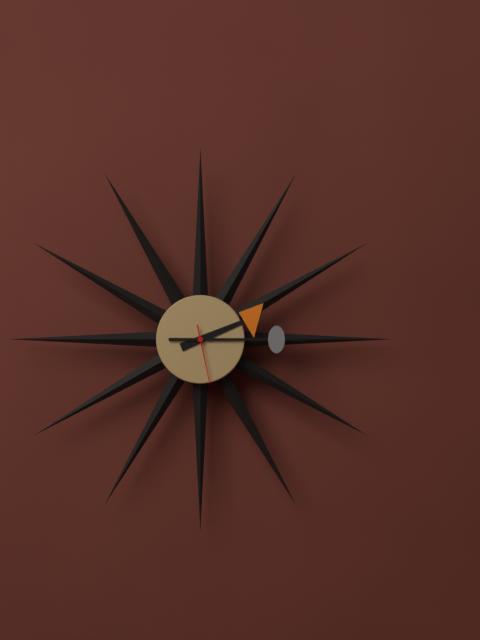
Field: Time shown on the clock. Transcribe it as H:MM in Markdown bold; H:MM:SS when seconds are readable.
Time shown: **2:15:28**
